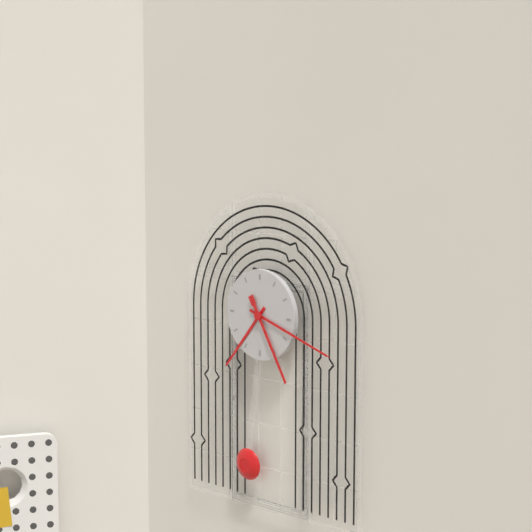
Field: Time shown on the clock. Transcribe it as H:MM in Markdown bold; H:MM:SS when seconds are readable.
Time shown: **7:18:25**
